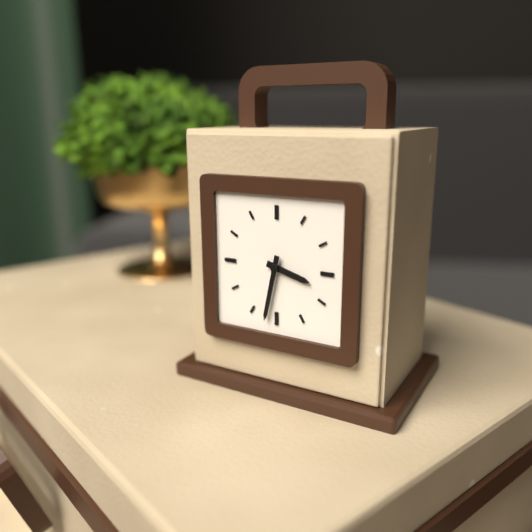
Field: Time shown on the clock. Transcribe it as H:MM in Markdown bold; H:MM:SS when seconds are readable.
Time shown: **3:32**
